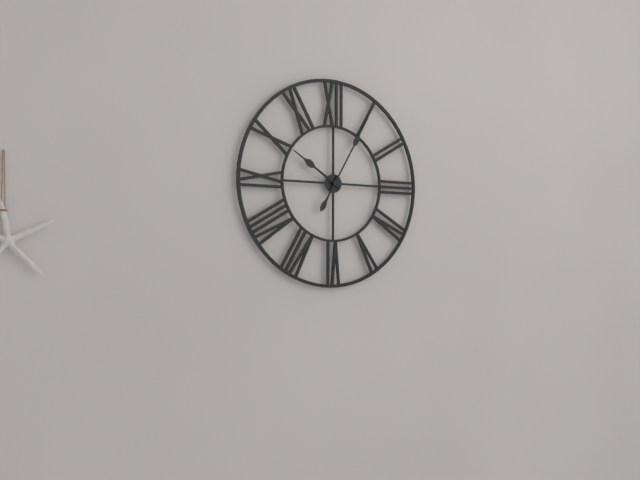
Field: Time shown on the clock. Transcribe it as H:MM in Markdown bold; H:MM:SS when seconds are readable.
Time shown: **10:05**
